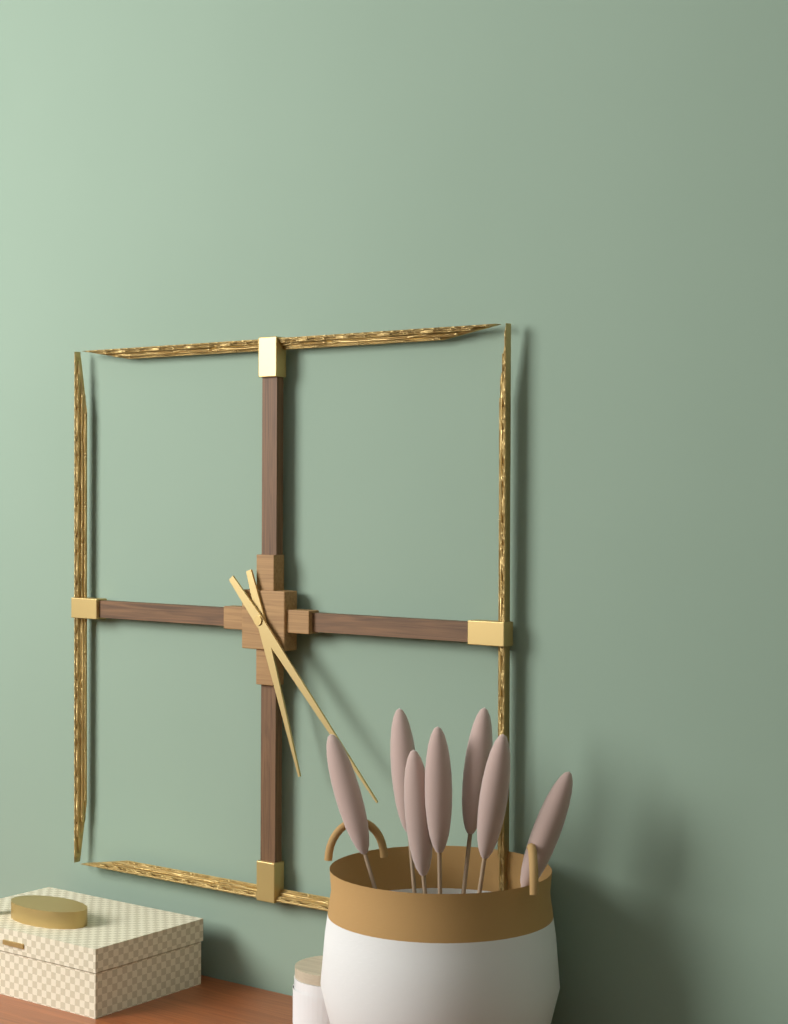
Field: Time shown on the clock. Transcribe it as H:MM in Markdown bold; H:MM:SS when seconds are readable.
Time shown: **5:23**
